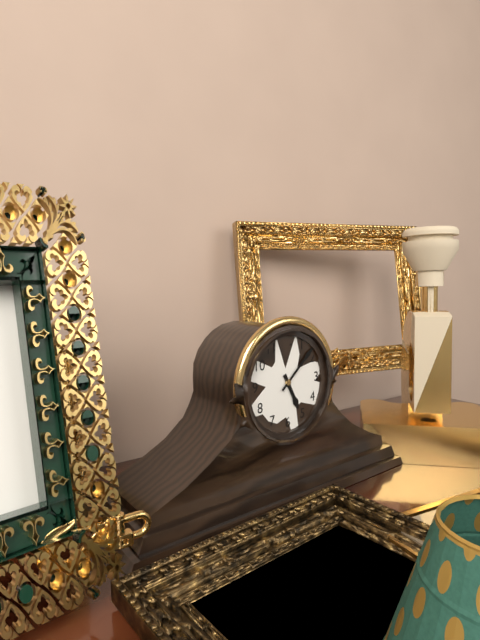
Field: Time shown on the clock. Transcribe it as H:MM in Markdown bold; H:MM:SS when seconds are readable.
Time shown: **5:08**
